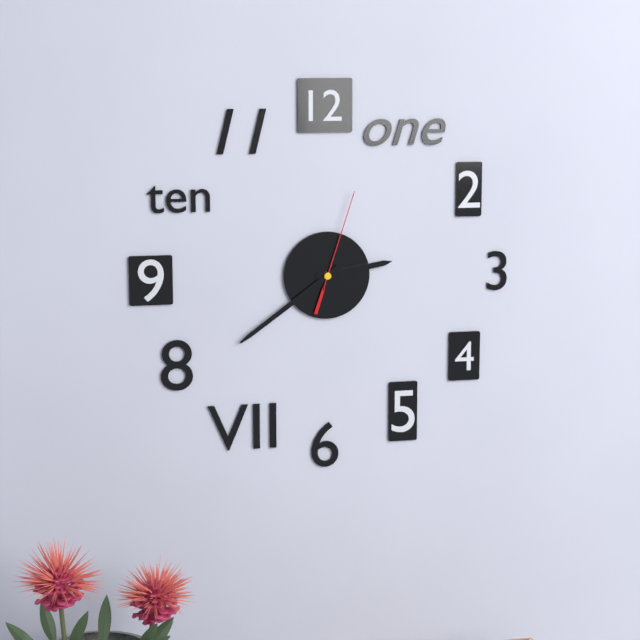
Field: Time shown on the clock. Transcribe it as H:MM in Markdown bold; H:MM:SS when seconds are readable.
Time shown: **2:39:03**
